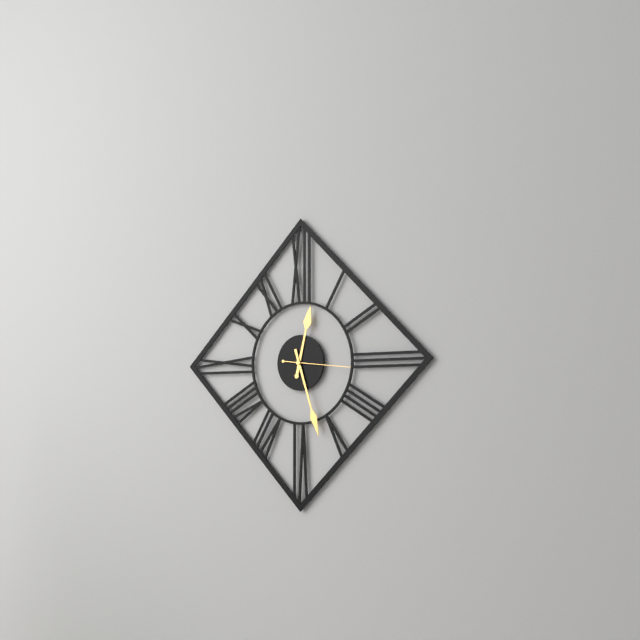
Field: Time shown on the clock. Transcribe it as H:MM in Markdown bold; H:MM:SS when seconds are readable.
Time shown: **12:27:16**
